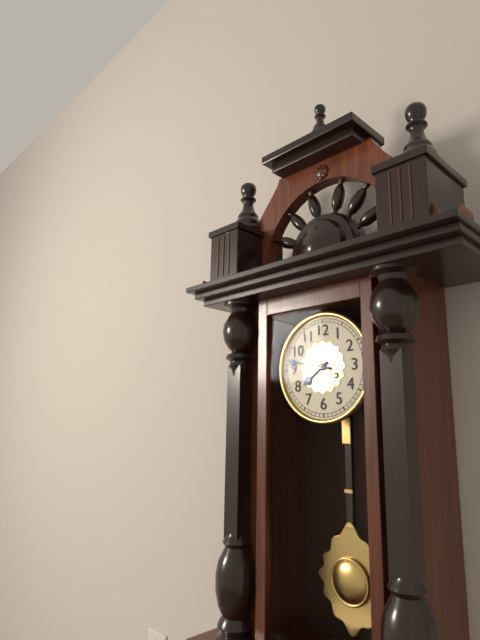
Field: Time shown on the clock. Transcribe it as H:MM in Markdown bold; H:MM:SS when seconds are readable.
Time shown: **7:47**
